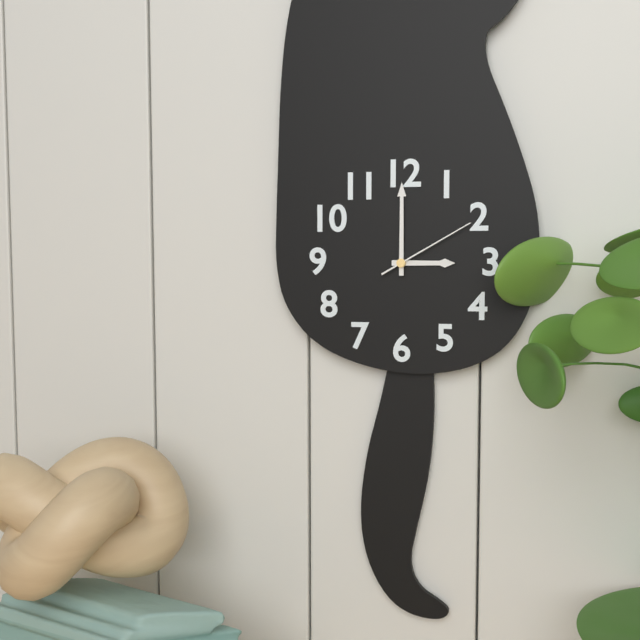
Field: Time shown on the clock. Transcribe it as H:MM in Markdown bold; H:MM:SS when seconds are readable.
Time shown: **3:00:10**
